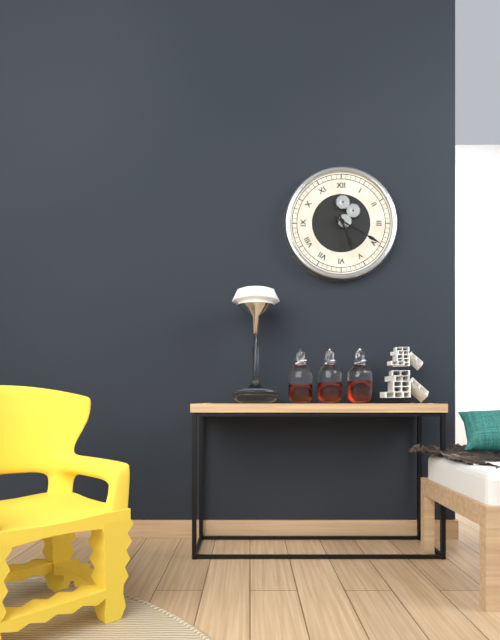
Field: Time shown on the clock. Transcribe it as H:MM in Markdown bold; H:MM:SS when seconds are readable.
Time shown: **5:20**
